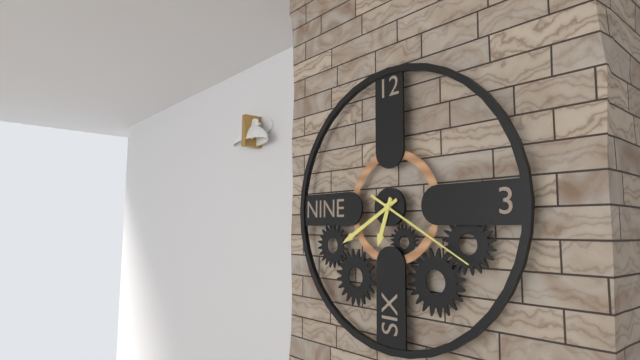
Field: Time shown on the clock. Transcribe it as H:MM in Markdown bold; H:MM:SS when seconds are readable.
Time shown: **6:40:20**
